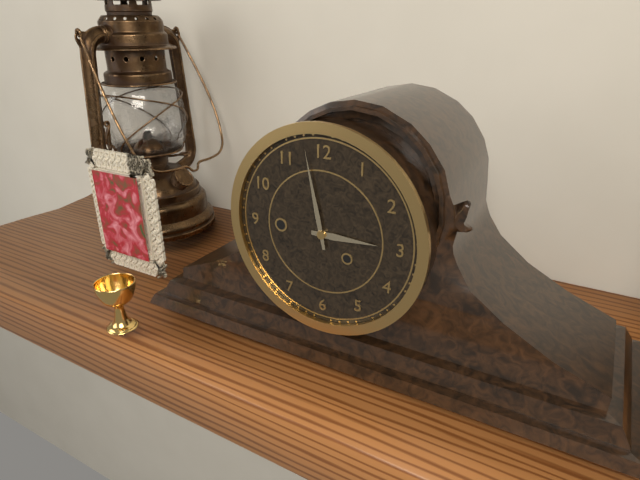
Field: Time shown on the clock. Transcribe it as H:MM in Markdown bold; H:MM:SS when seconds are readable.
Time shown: **2:58**
